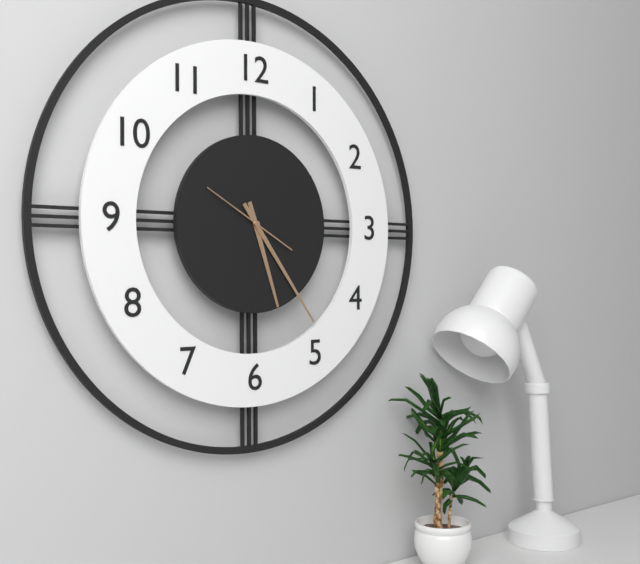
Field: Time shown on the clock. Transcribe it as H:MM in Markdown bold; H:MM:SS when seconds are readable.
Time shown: **5:24:50**
